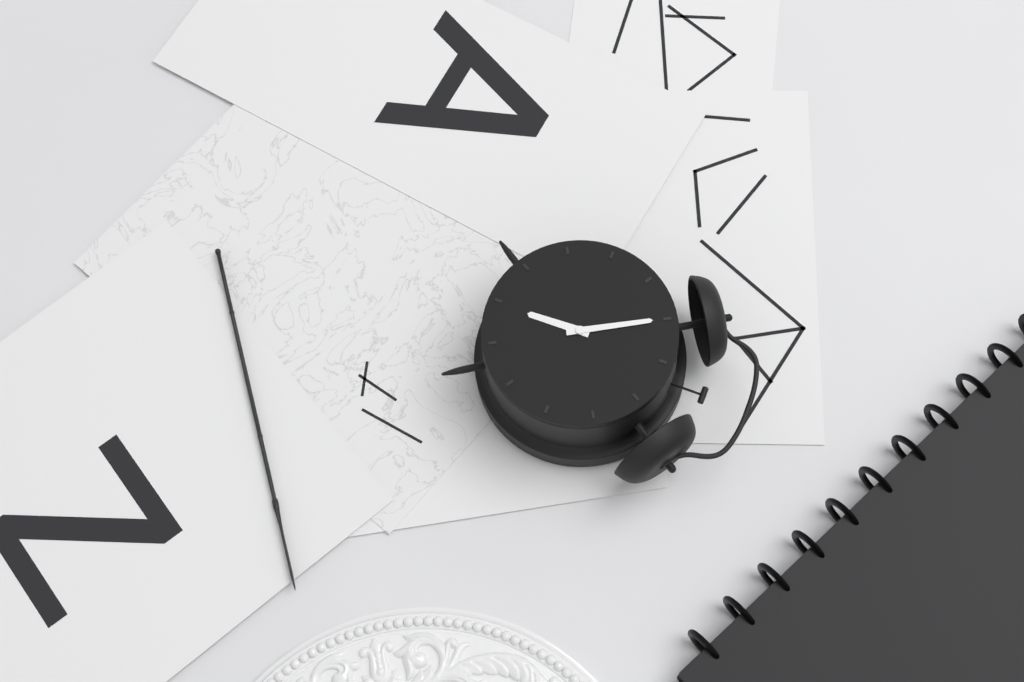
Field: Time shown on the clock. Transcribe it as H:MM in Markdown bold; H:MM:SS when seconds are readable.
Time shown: **5:55**
